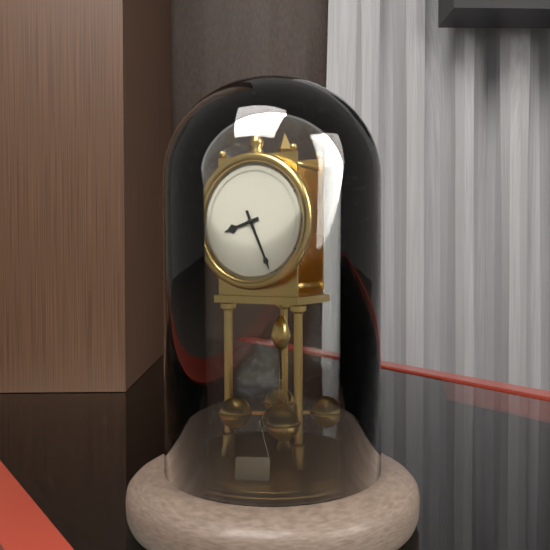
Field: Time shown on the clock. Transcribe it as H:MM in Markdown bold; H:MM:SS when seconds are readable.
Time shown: **8:26**
